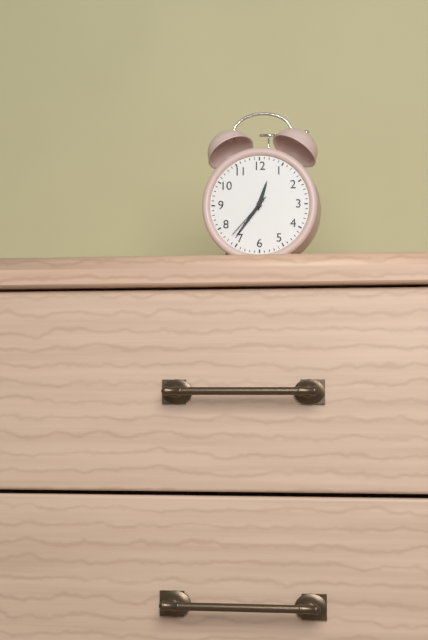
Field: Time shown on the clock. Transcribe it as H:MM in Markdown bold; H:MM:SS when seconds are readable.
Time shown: **12:36:37**
